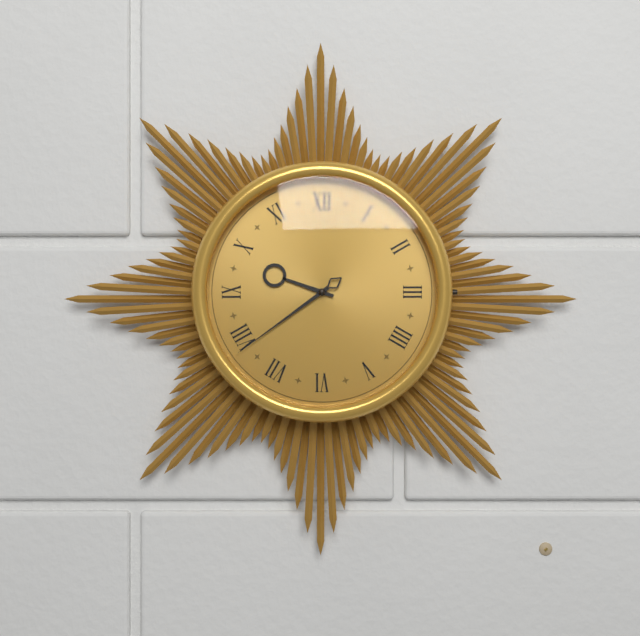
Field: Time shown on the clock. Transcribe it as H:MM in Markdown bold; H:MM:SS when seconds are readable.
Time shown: **9:39**
